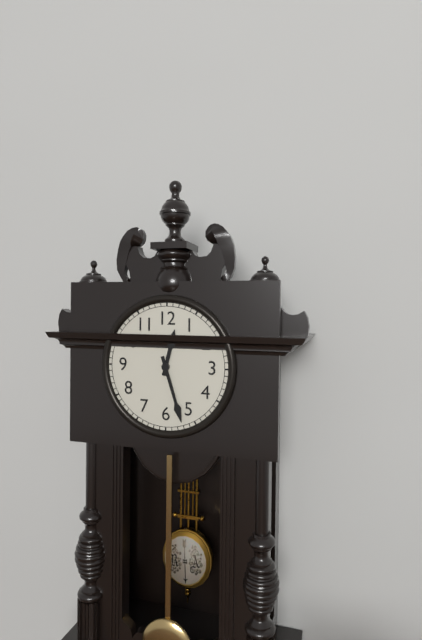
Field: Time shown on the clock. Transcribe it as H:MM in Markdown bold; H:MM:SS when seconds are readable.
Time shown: **12:27**
